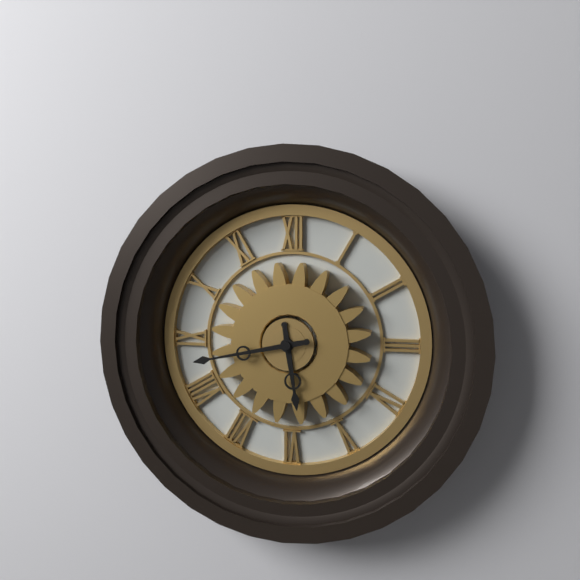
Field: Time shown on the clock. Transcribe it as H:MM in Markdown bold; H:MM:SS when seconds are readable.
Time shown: **5:43**
